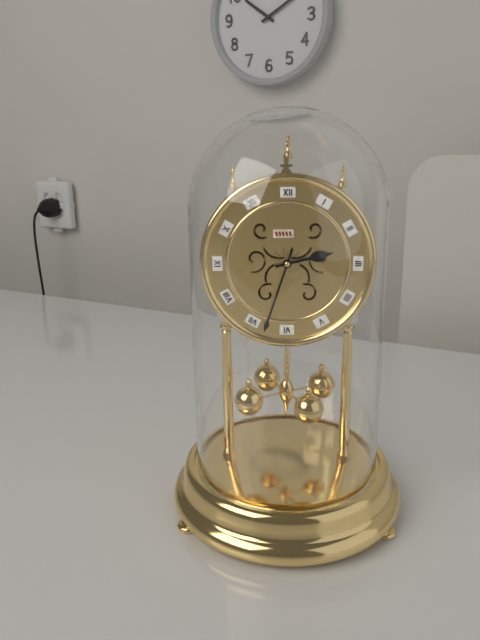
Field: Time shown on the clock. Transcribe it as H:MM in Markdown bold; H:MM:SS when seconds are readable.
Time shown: **2:33**
